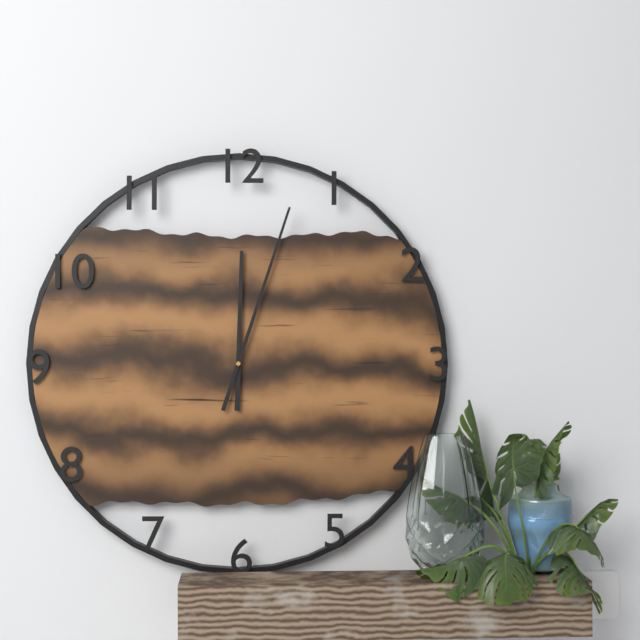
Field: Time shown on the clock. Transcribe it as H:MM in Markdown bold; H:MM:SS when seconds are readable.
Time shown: **12:03**
